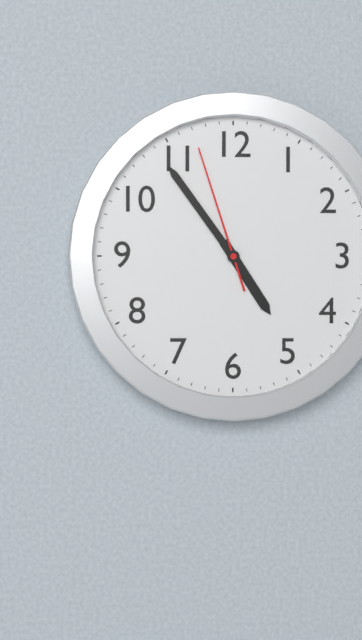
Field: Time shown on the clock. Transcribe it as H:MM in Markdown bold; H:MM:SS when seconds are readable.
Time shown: **4:54:57**
